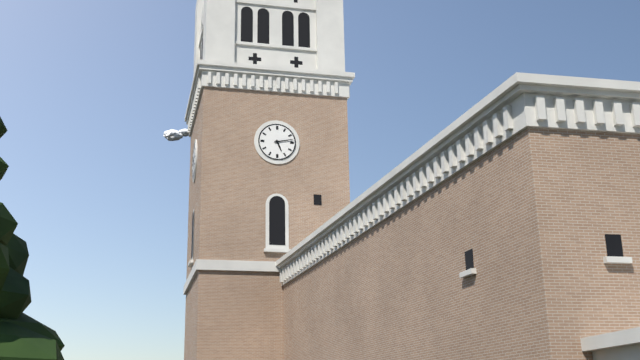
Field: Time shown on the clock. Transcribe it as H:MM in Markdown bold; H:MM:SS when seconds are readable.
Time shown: **5:13**
